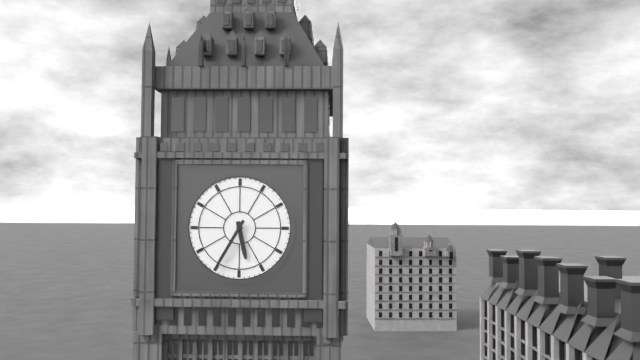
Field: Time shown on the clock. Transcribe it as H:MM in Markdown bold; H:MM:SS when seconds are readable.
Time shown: **5:35**
